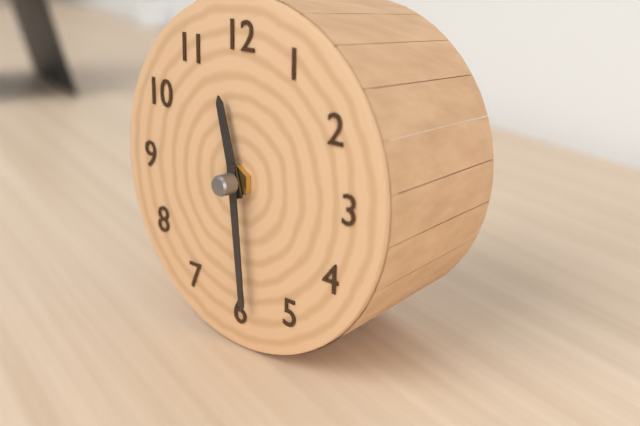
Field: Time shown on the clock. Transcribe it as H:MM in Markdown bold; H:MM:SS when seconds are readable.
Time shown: **11:29**
